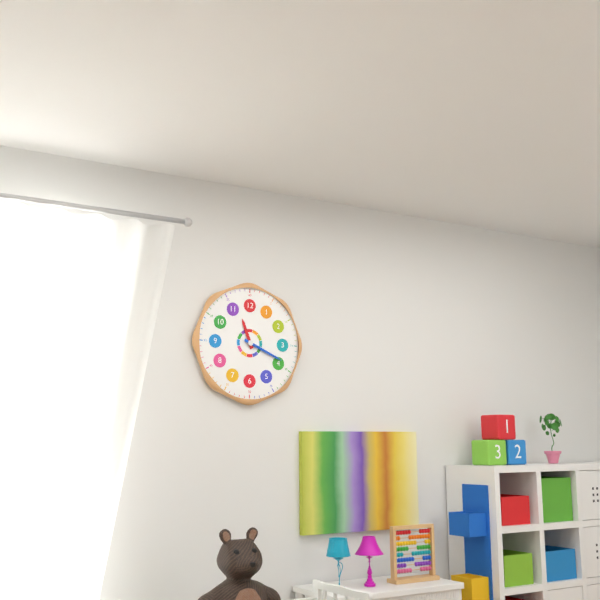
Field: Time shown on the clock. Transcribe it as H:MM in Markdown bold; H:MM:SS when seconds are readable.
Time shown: **11:19**
